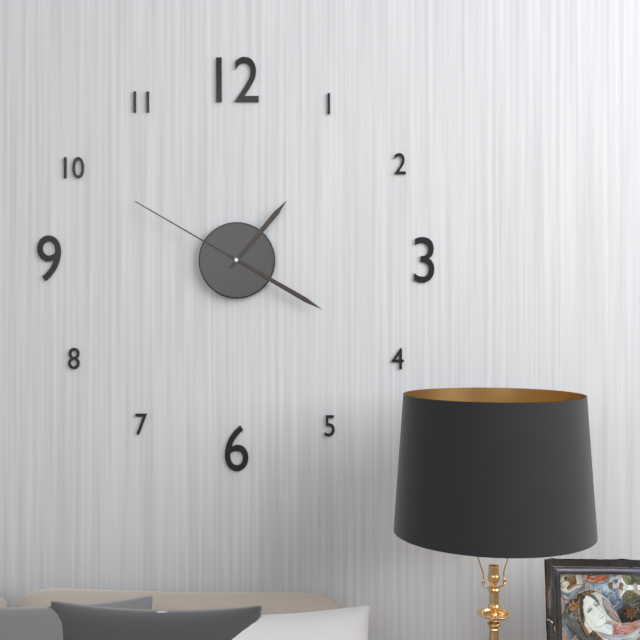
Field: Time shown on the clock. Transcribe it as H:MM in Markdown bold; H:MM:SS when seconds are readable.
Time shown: **1:20:50**
